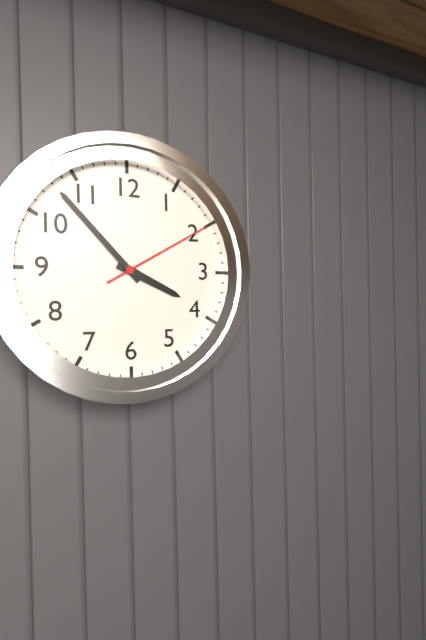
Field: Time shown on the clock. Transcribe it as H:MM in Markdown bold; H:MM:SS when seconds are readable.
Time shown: **3:53:10**
